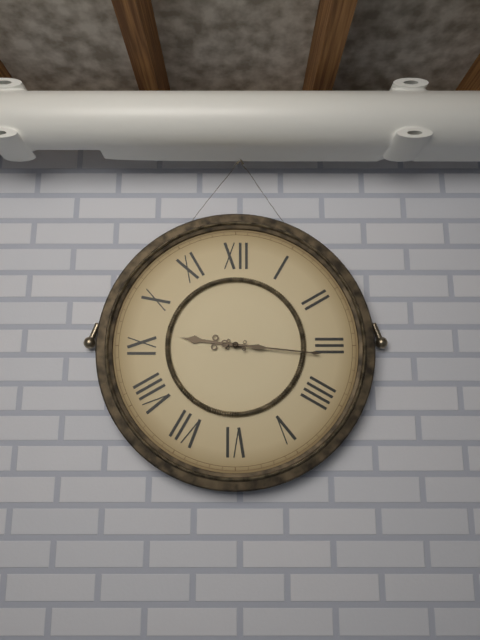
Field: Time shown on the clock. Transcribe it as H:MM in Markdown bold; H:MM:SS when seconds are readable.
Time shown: **9:16**
